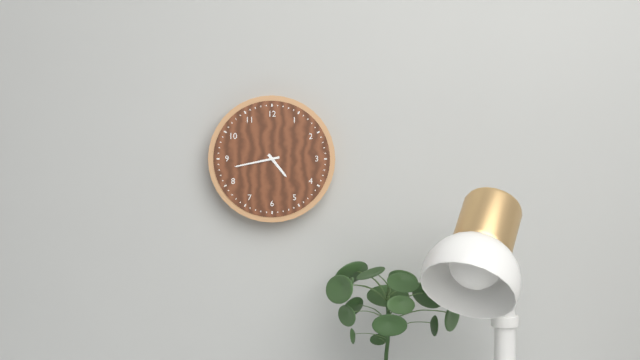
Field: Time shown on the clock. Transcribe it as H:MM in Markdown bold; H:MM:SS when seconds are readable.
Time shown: **4:43**
